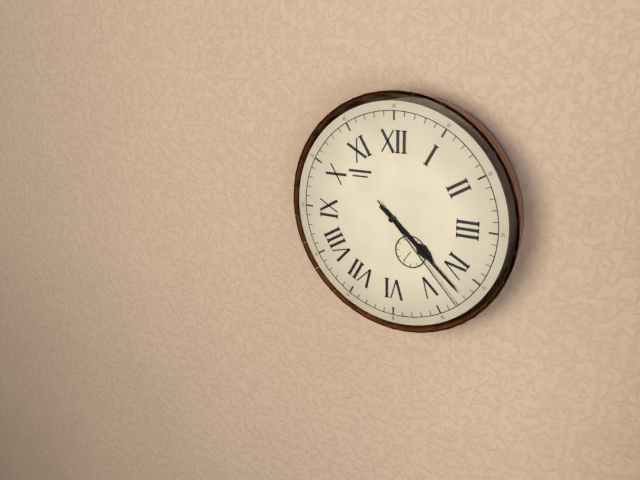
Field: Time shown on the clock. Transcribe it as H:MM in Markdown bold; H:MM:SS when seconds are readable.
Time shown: **4:22:23**
